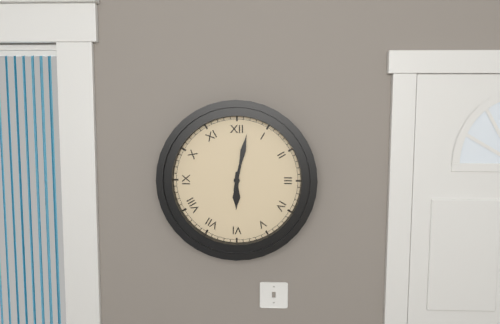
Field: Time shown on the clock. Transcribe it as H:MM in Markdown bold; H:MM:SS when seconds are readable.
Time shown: **6:02**
